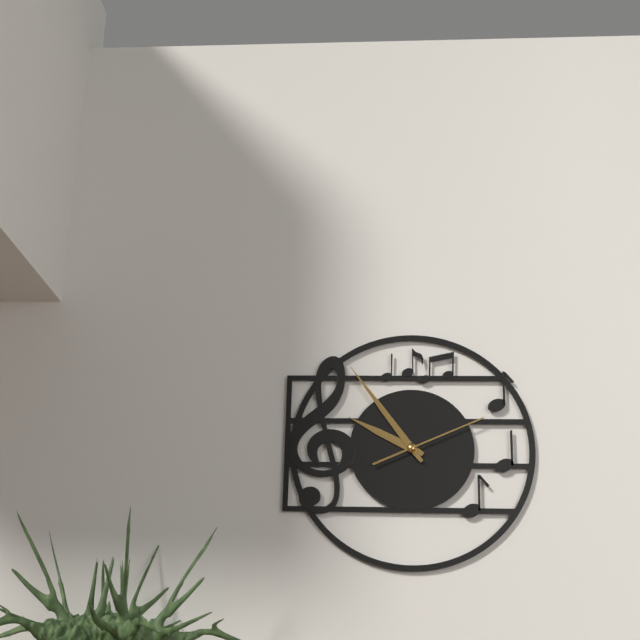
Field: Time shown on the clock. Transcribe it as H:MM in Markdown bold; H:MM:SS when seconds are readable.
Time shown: **9:54:11**
